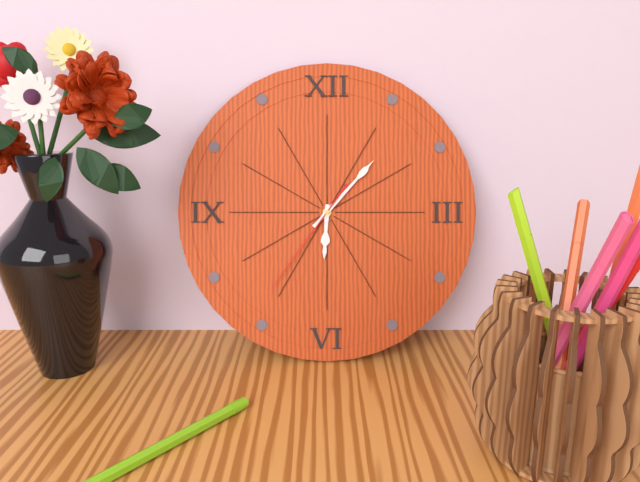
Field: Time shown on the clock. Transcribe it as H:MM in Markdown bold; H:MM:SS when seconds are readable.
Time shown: **6:07:36**
